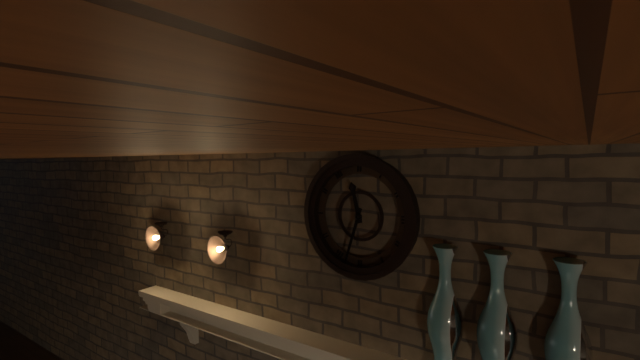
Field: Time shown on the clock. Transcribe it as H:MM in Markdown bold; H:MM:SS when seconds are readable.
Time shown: **11:33**
